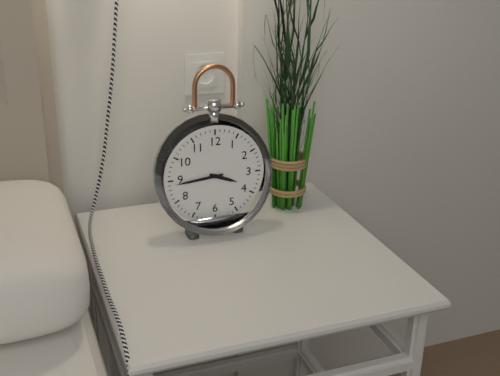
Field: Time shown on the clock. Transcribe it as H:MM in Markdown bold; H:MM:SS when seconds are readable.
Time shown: **3:44**
